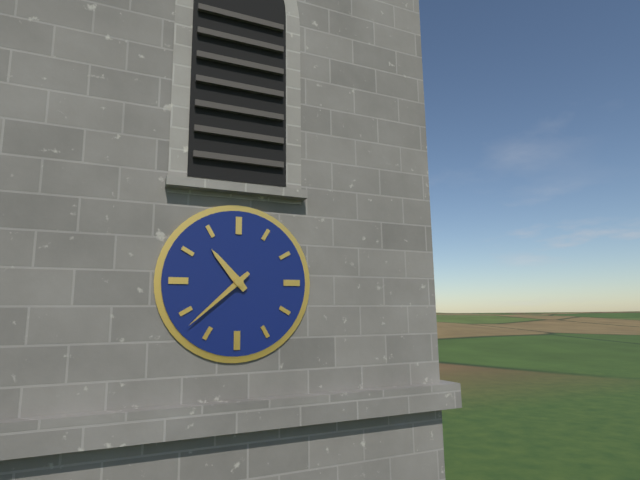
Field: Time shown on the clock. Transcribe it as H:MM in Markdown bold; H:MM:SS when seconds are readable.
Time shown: **10:38**
